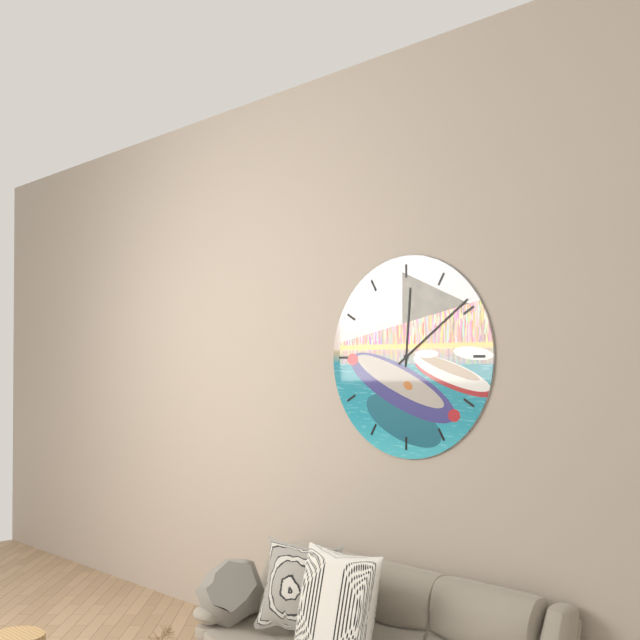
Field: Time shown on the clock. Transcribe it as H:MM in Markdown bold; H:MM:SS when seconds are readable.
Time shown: **12:09**
